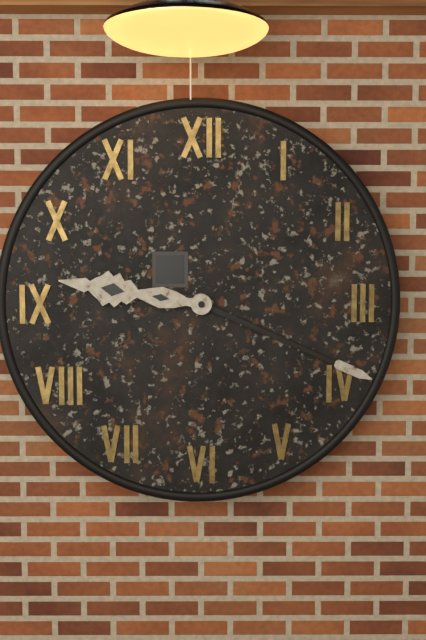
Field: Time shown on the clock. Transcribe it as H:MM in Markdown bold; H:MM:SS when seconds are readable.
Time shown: **9:19**
